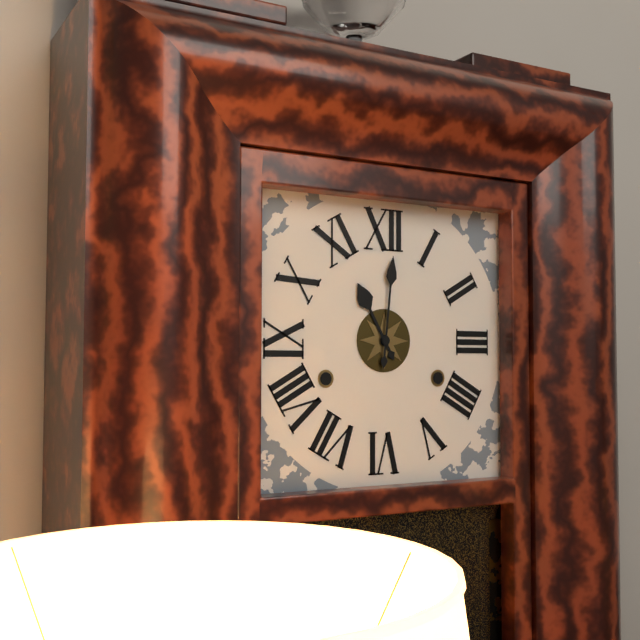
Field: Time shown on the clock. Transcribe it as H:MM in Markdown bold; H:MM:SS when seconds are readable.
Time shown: **11:01**
